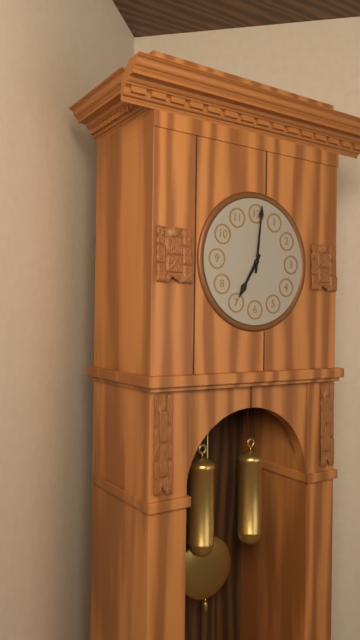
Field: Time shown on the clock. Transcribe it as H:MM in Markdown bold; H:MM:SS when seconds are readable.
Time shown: **7:01**
